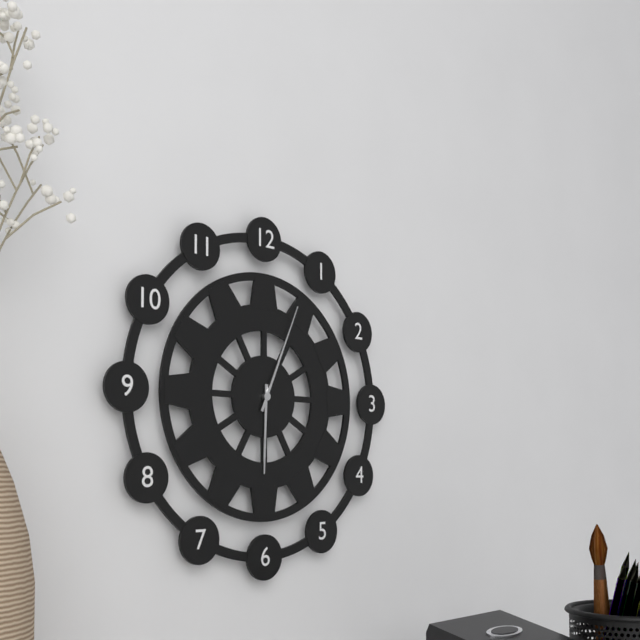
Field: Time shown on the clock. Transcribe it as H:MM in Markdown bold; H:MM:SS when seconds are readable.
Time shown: **6:04**
